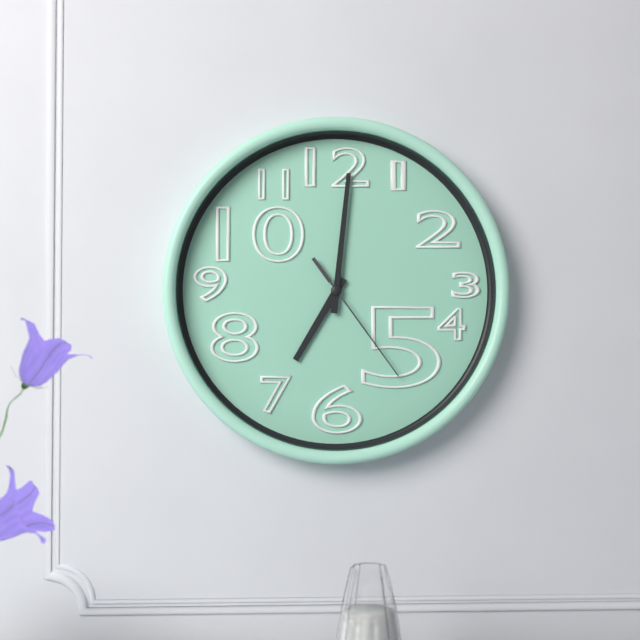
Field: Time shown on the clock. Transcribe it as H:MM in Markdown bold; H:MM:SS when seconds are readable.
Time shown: **7:01:24**
